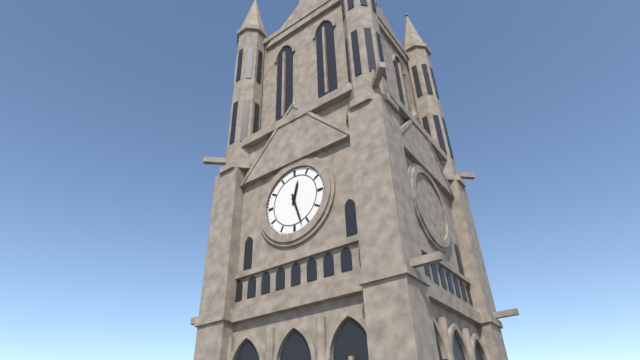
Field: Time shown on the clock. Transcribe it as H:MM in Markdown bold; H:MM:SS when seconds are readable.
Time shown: **12:27**
